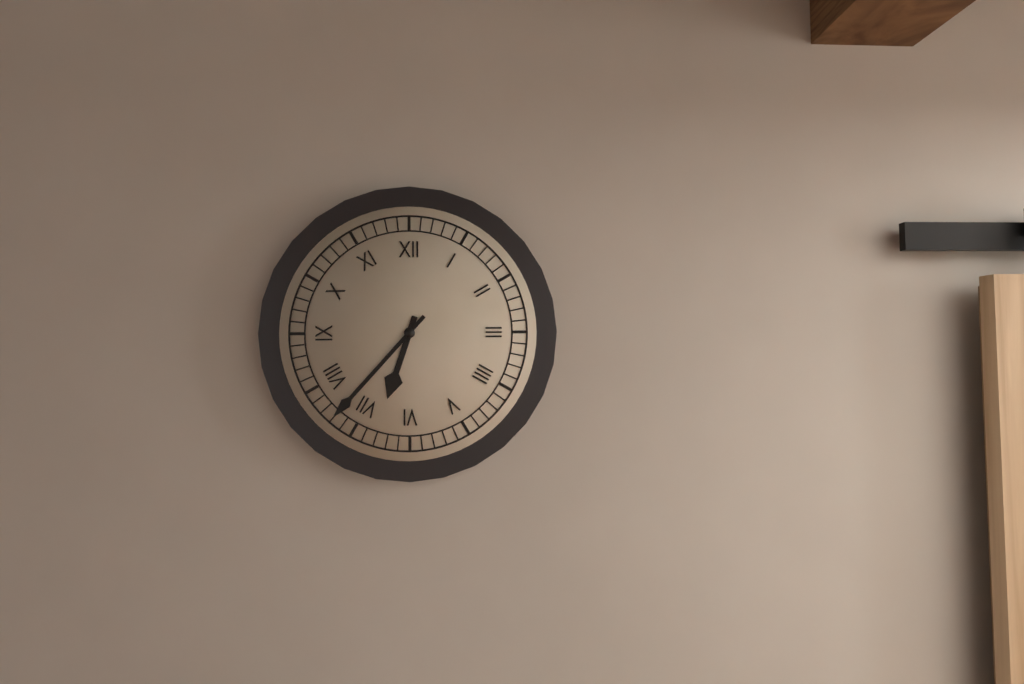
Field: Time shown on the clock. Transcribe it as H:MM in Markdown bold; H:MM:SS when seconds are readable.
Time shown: **6:37**
